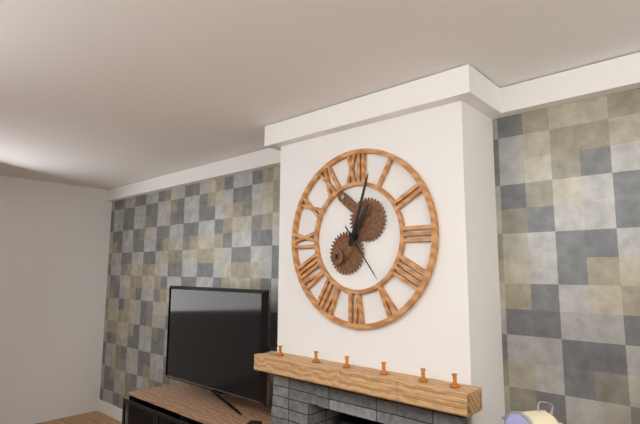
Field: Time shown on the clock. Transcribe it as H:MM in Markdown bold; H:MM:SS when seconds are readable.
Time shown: **1:03:24**
